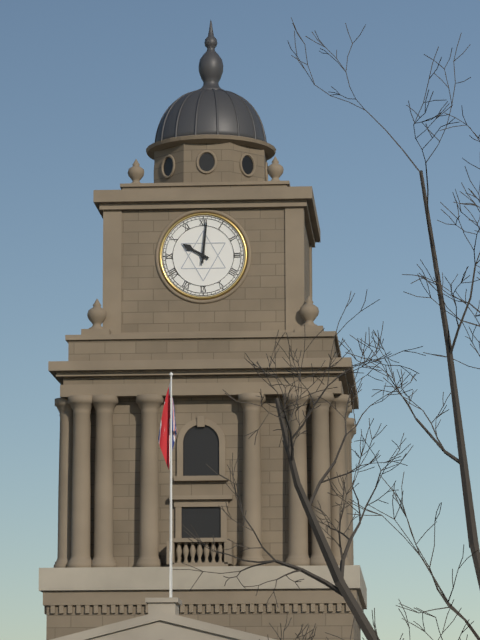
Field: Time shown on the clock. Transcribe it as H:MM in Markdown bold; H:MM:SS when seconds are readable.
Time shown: **10:01**
